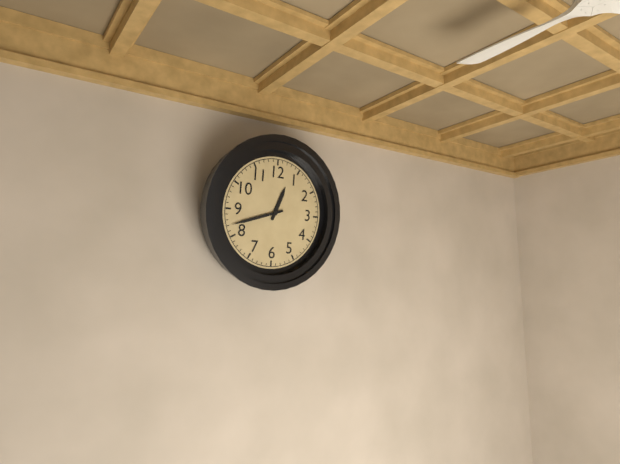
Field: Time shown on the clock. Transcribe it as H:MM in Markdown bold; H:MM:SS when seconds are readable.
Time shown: **12:42**
